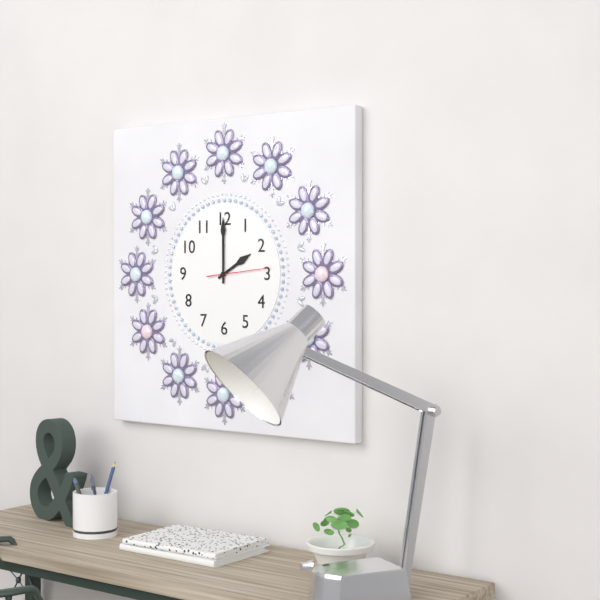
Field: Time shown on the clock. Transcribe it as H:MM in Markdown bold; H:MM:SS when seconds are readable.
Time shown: **2:00:14**
